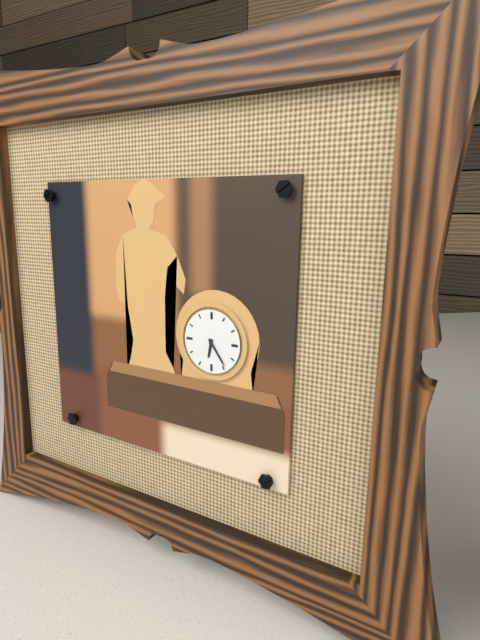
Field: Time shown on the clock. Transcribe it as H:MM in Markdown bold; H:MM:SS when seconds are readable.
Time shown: **6:24**
